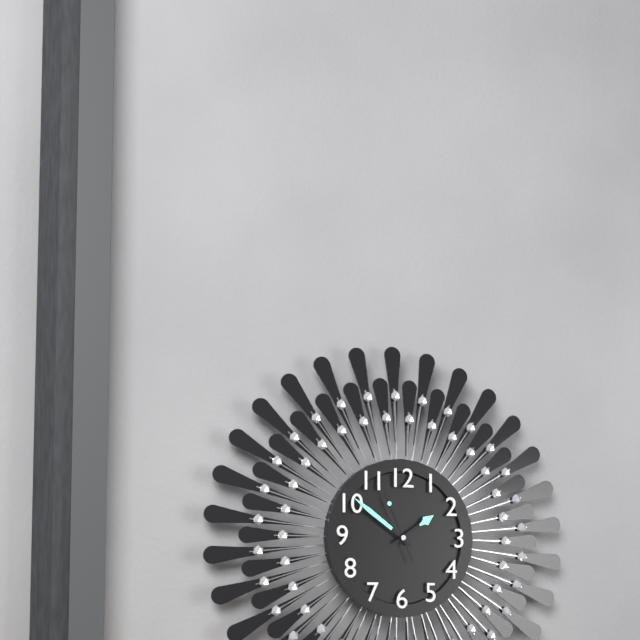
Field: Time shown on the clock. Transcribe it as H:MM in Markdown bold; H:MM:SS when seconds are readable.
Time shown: **1:51:56**
